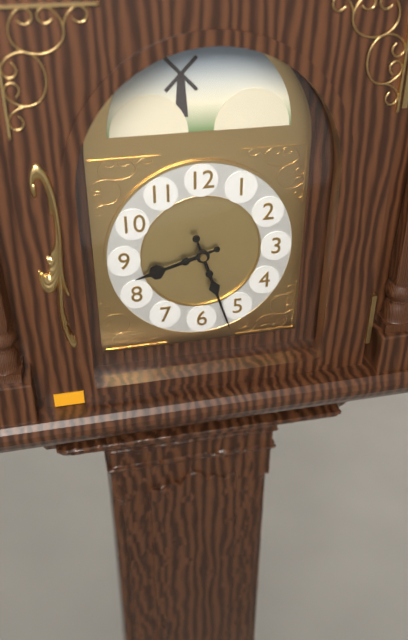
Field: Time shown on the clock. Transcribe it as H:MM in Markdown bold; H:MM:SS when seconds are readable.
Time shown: **8:27**
